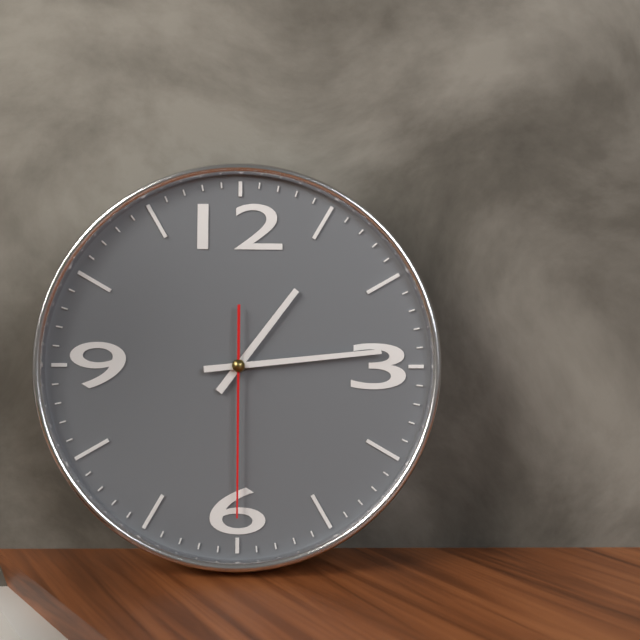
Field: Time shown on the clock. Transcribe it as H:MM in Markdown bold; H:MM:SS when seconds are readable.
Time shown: **1:14:30**
